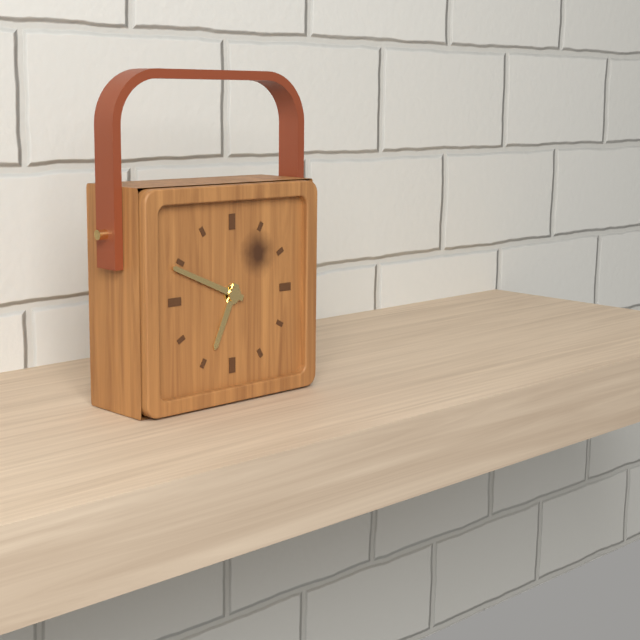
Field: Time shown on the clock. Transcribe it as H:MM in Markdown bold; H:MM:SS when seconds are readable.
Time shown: **6:49**
